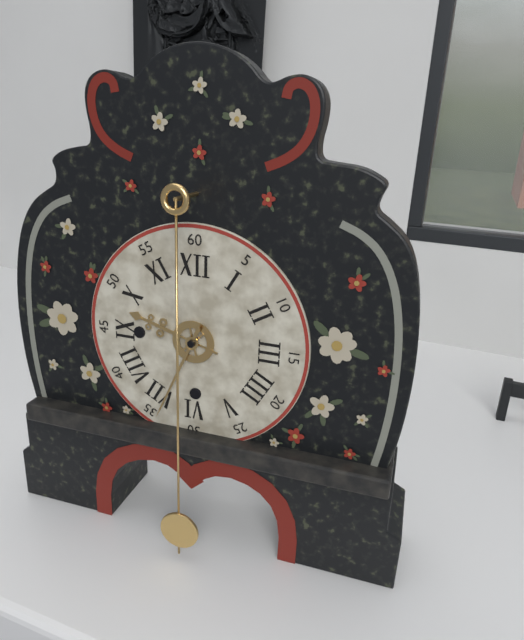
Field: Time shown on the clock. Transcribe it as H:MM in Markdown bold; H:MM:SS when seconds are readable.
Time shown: **9:34**
